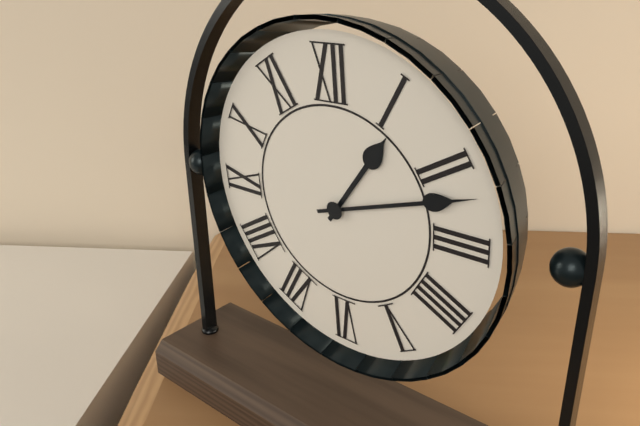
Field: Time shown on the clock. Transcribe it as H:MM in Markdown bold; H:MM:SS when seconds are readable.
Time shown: **1:12**
